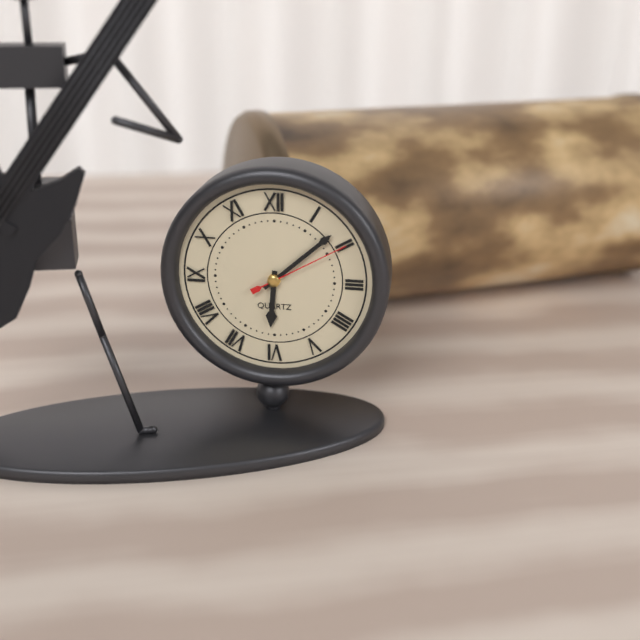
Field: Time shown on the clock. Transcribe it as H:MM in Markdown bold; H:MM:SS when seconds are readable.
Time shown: **6:08:10**
